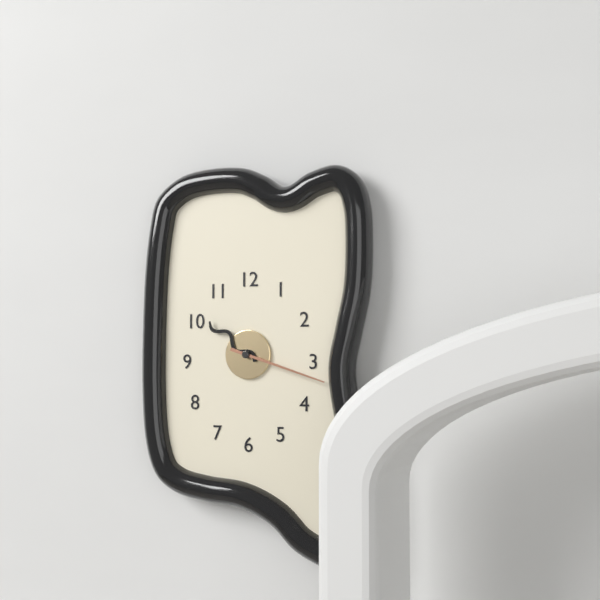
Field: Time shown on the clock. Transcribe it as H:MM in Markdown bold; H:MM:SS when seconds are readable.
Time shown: **10:18**
